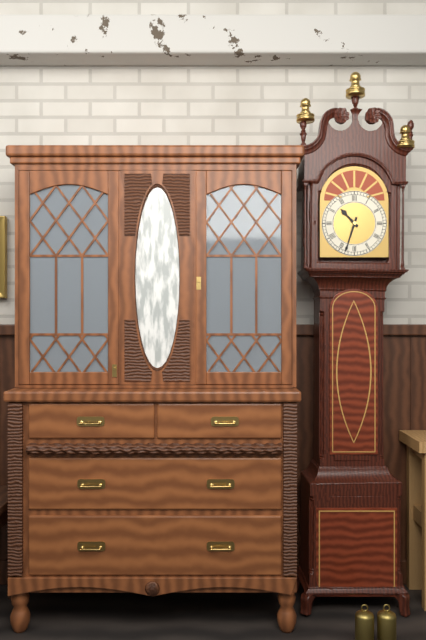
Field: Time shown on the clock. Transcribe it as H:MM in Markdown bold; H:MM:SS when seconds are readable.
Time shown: **10:33**
